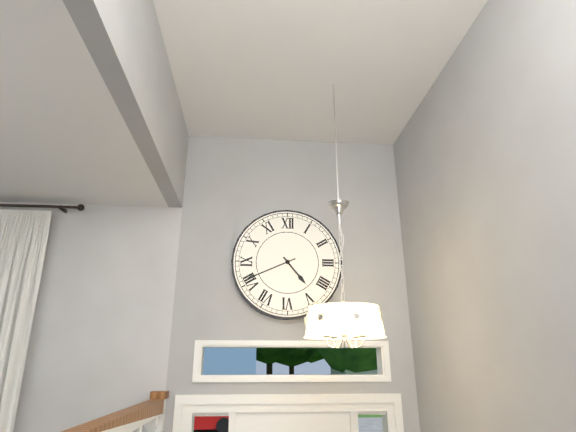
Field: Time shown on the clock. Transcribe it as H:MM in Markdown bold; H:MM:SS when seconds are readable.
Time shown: **4:41**
